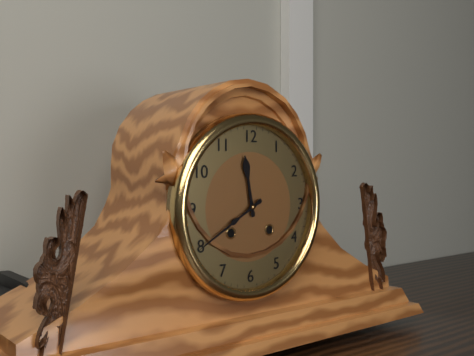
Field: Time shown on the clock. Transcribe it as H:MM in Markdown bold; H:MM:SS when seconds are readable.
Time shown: **11:40**
